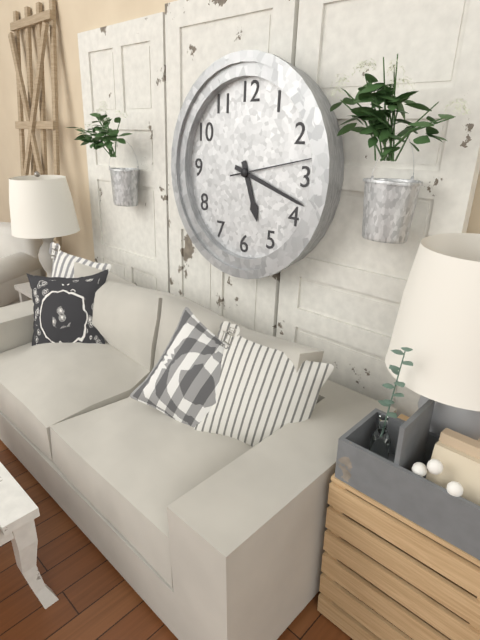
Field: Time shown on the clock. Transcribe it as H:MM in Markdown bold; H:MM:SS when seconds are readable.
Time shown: **5:18:13**
